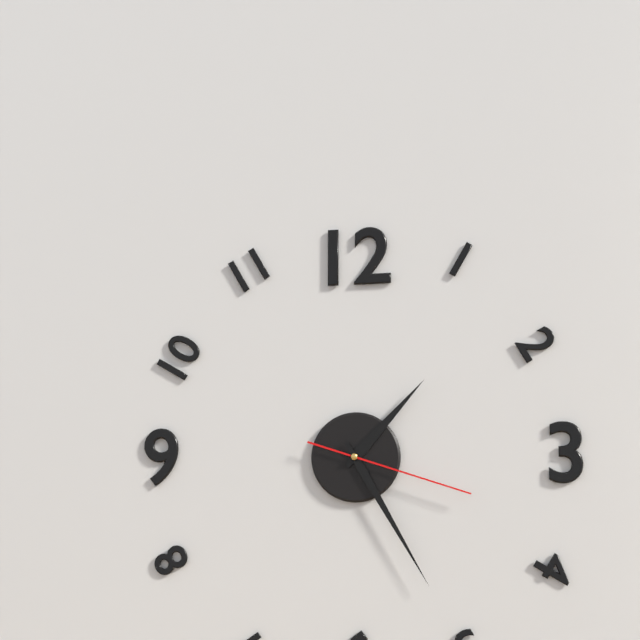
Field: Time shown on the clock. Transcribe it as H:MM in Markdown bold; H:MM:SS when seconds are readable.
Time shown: **1:25:18**
